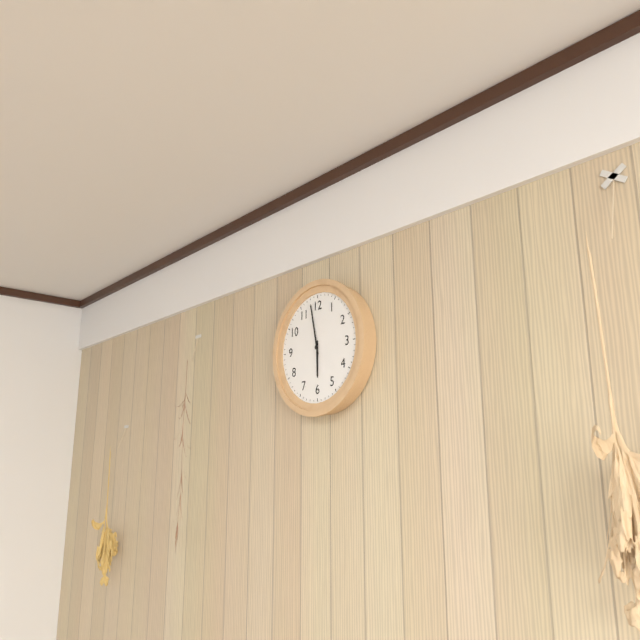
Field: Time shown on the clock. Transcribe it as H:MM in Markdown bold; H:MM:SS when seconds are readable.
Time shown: **5:58**
